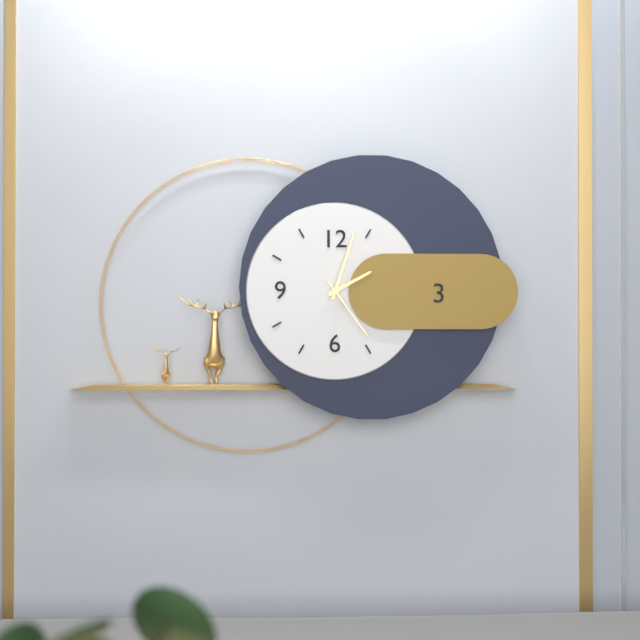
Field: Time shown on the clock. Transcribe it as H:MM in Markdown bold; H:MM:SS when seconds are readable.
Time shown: **2:03:24**
